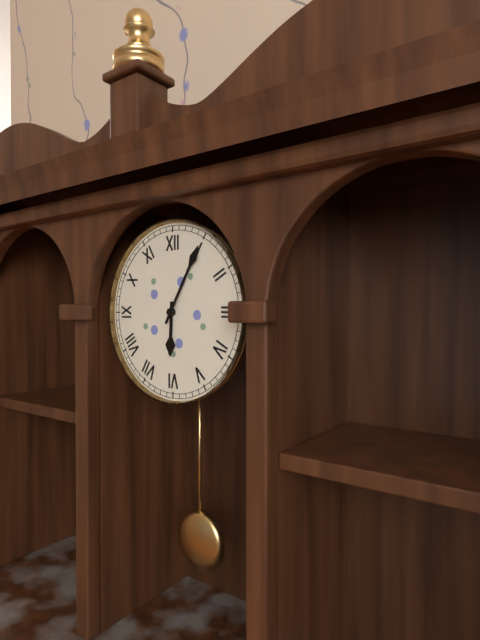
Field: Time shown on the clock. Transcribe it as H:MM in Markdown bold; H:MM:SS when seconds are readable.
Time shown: **6:05**
